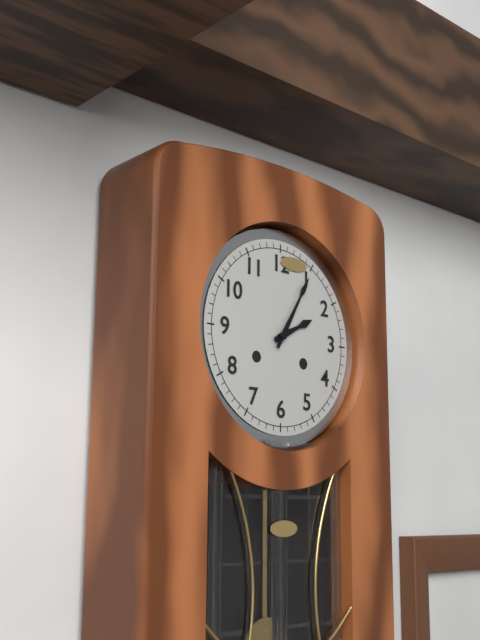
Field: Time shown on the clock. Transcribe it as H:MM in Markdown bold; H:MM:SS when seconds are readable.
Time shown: **2:05**
